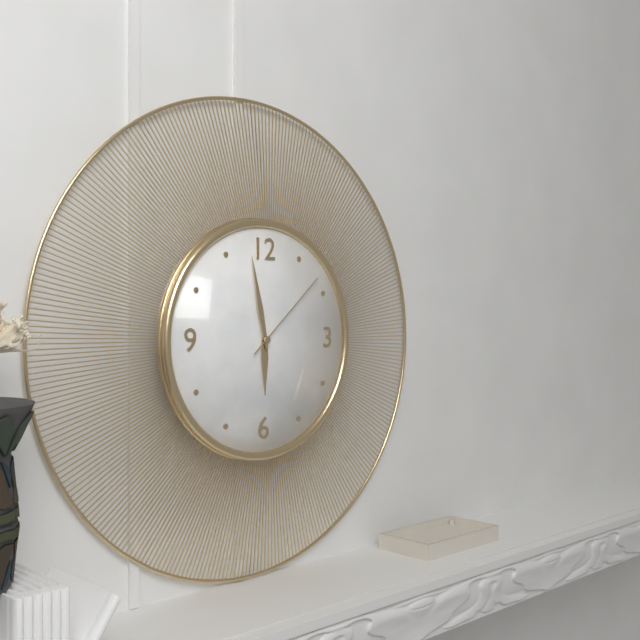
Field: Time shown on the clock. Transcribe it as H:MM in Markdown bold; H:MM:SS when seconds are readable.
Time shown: **5:58:08**
